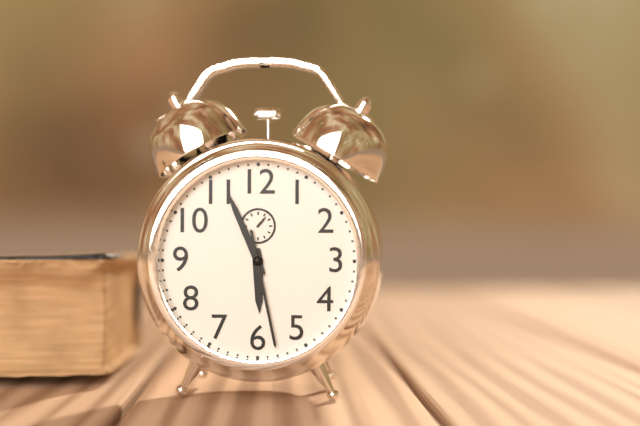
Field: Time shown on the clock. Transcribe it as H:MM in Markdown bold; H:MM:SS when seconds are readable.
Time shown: **5:56:28**
